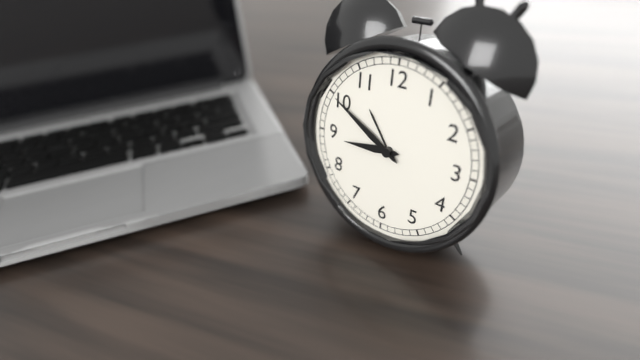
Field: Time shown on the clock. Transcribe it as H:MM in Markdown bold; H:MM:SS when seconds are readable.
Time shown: **8:50**
